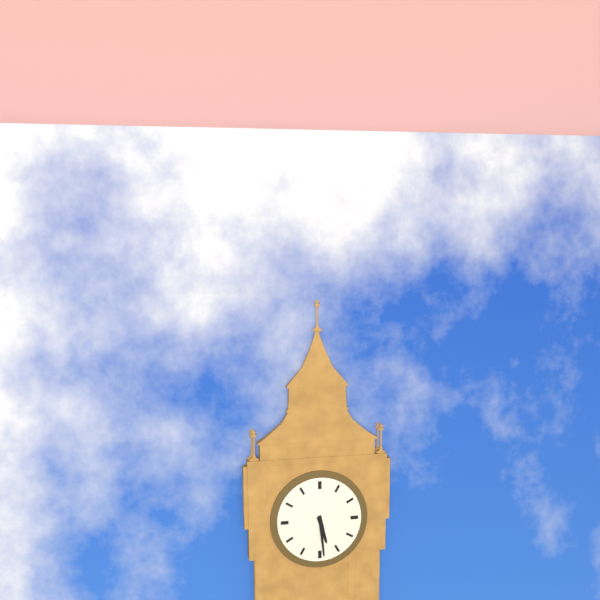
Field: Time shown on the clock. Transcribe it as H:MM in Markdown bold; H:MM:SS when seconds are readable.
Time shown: **5:29**
